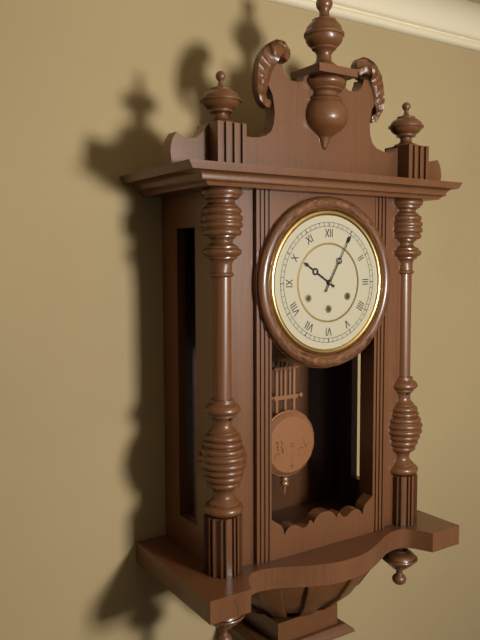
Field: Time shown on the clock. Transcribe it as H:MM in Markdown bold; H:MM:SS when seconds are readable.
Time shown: **10:05**
